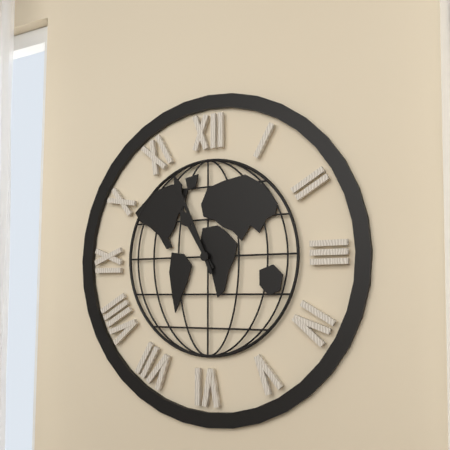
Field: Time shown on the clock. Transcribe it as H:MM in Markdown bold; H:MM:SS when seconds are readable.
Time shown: **10:56**
